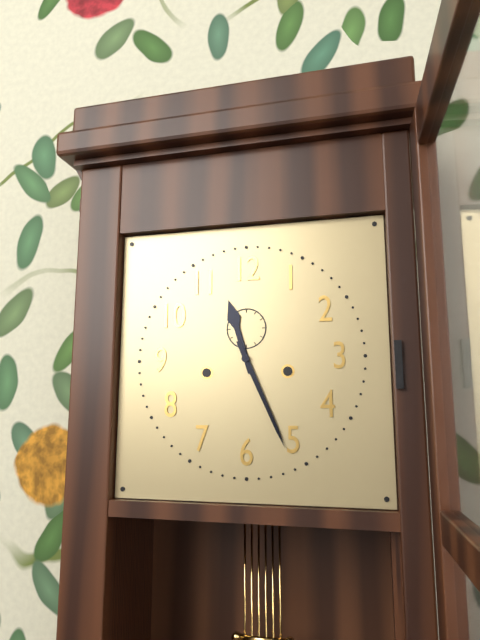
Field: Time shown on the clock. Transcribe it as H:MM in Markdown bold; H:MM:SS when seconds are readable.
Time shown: **11:26**
